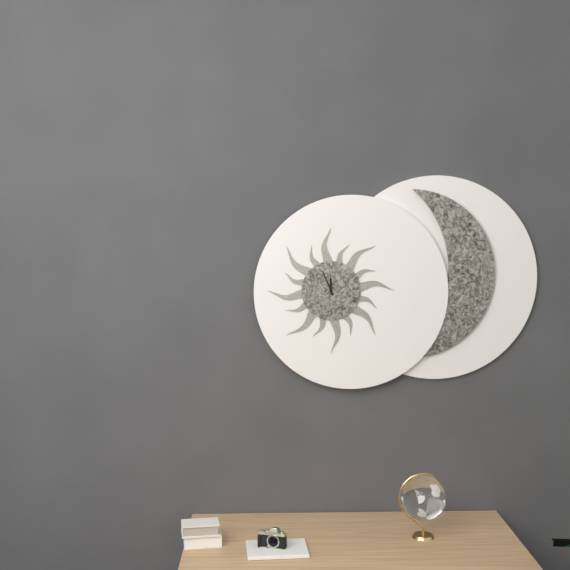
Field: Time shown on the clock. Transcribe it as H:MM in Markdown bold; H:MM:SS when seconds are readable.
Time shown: **11:56**
